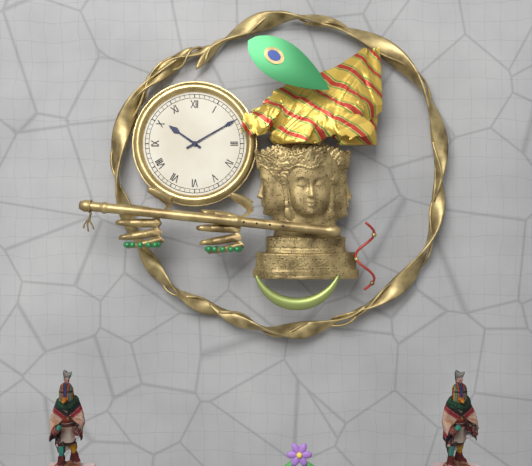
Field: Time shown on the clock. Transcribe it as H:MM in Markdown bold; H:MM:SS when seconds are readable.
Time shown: **10:10**
